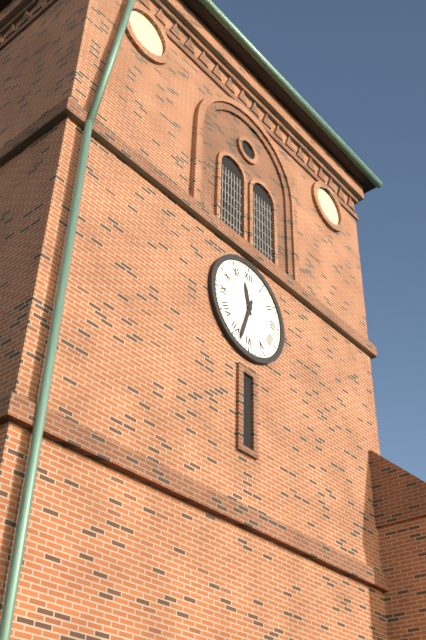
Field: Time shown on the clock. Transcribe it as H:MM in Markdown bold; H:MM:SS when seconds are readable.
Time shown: **11:33**
